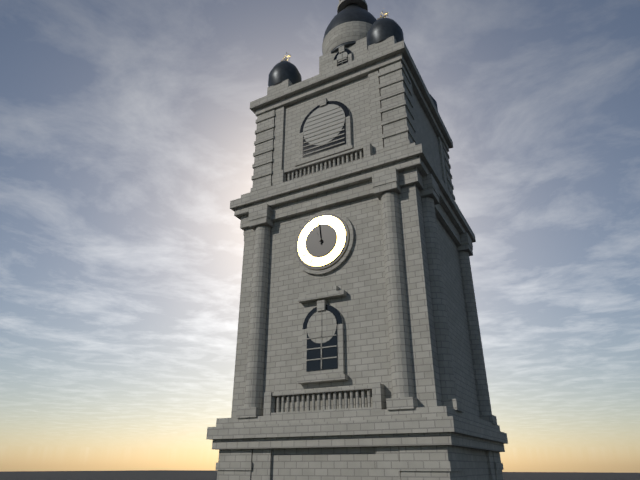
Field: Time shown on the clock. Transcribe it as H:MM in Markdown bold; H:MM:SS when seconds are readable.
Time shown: **10:59**
